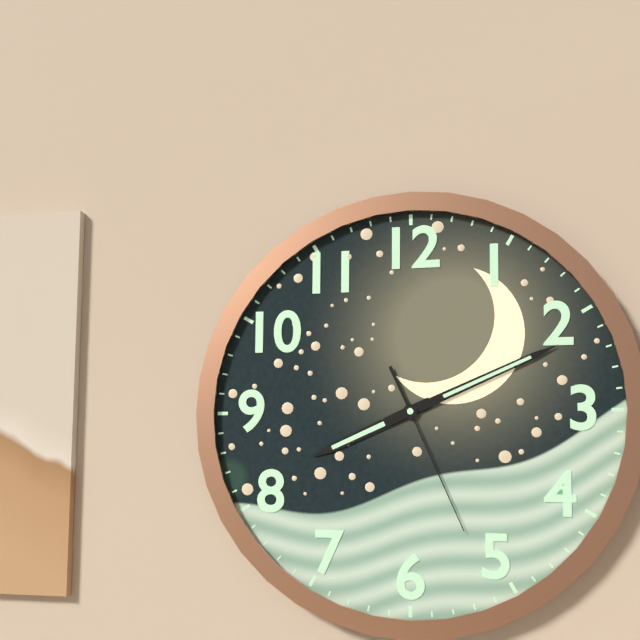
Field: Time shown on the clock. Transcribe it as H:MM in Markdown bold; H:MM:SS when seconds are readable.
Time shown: **8:11:26**
